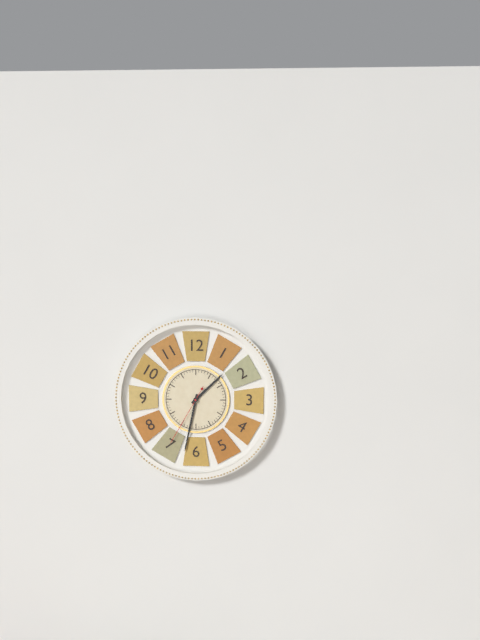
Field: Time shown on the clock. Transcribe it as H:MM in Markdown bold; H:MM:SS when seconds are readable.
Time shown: **1:32:35**
